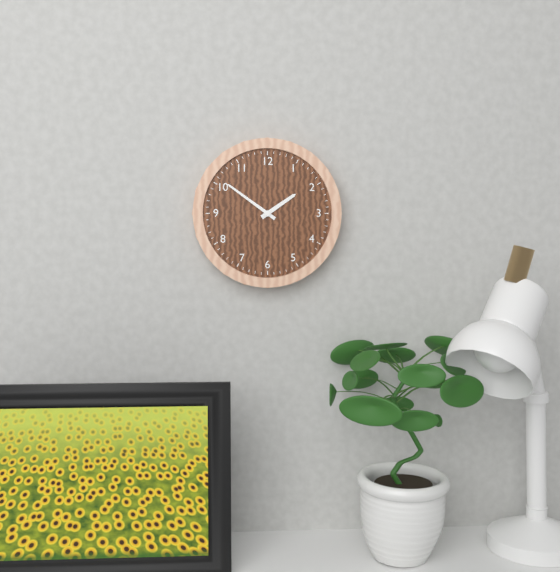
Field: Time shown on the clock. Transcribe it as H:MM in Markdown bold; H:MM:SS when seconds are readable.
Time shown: **1:51**
